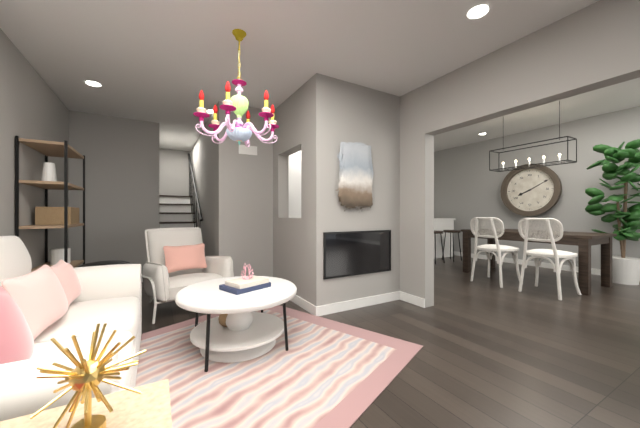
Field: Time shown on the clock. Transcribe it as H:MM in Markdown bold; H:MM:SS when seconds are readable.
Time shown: **8:10**
